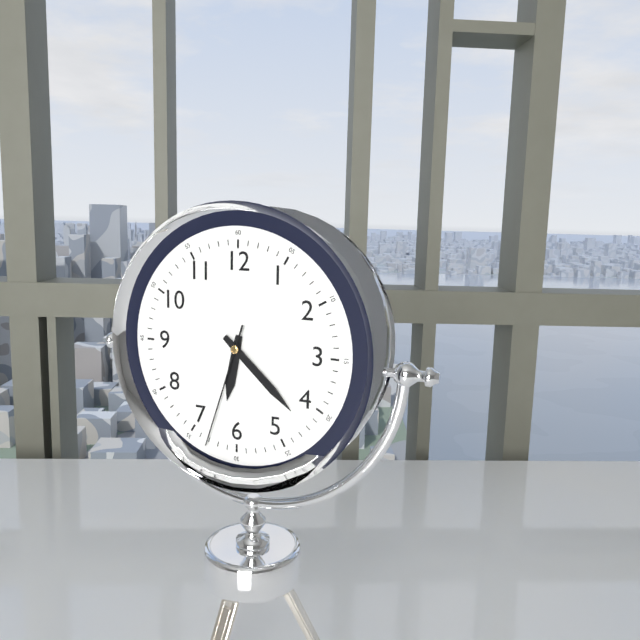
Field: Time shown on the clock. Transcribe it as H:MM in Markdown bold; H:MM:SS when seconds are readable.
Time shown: **6:22:33**
